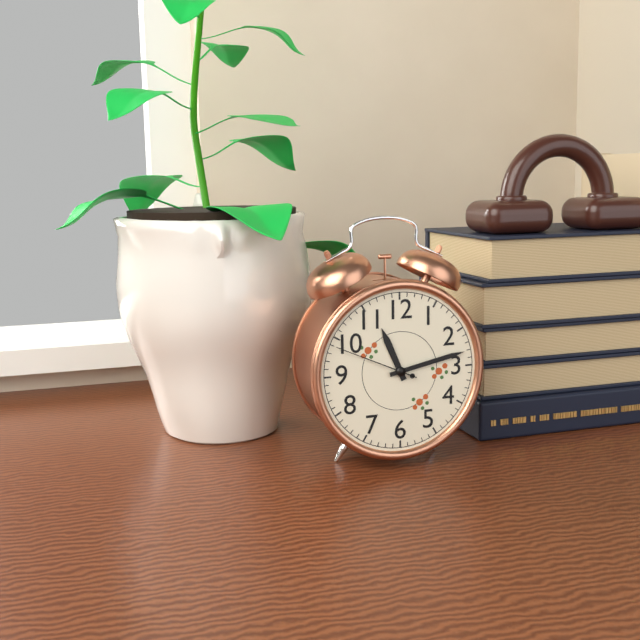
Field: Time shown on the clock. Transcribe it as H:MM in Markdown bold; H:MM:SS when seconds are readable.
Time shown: **11:13:49**
